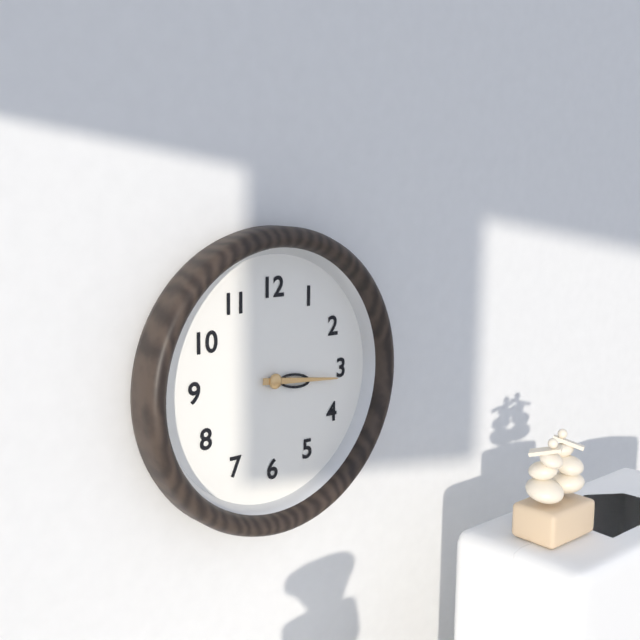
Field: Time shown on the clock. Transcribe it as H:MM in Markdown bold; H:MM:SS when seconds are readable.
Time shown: **3:16**
